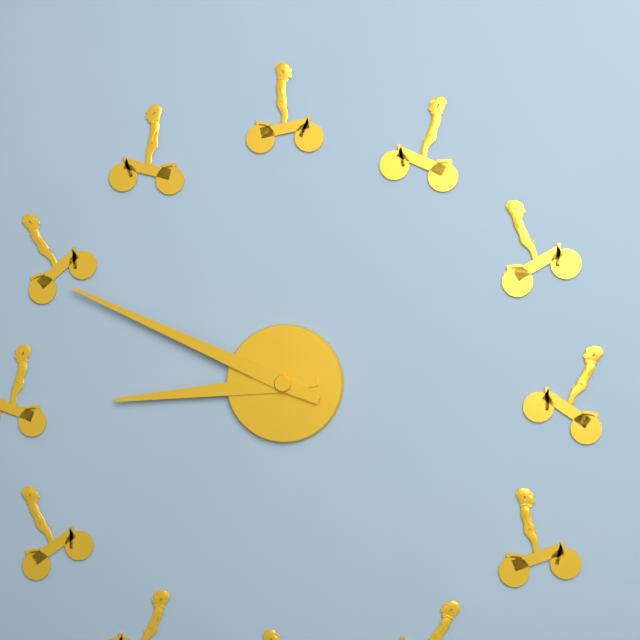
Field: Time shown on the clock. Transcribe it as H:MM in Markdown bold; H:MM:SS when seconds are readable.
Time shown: **8:49**
